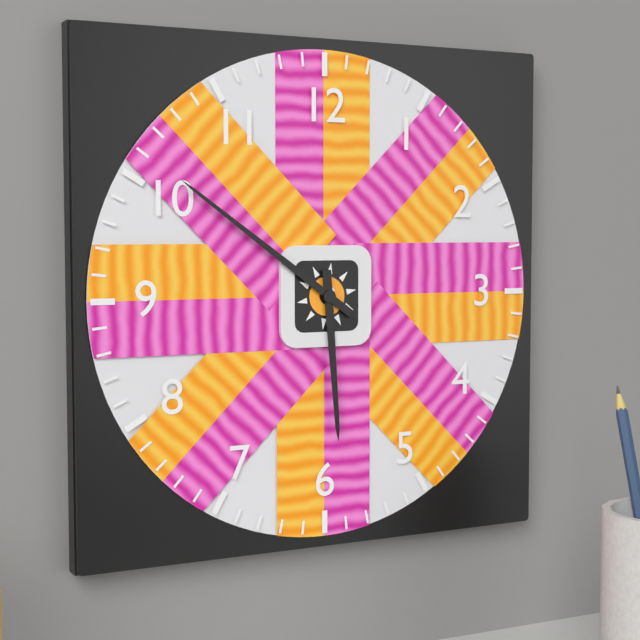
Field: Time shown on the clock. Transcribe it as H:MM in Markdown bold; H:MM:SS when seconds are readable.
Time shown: **5:51**
